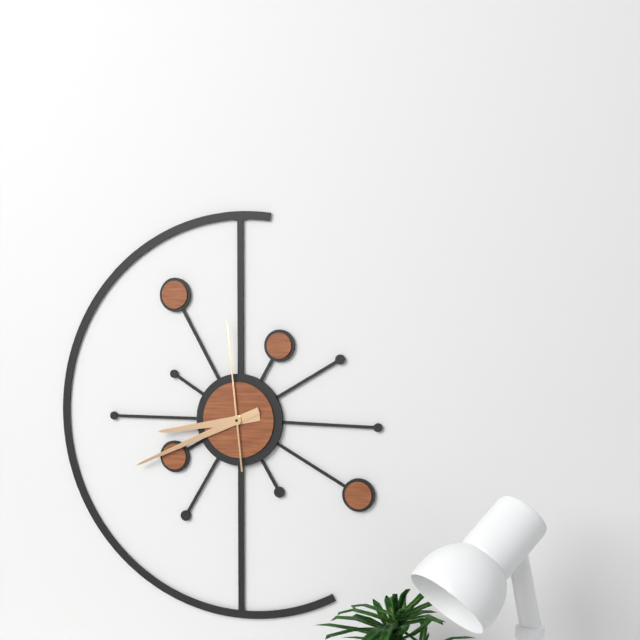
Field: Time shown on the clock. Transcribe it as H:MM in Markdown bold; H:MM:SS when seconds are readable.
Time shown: **8:41:59**
